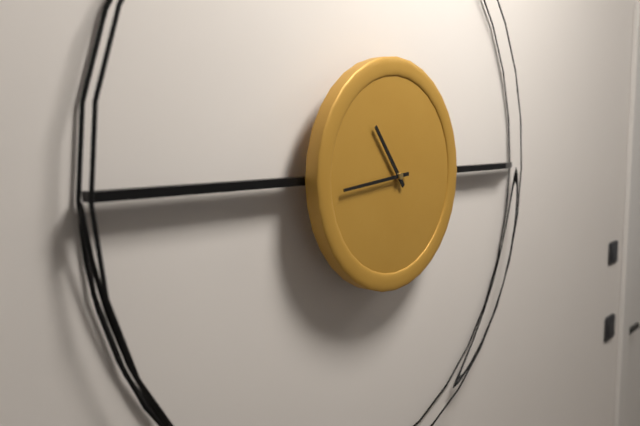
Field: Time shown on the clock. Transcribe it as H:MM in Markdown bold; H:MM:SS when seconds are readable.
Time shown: **10:44**
